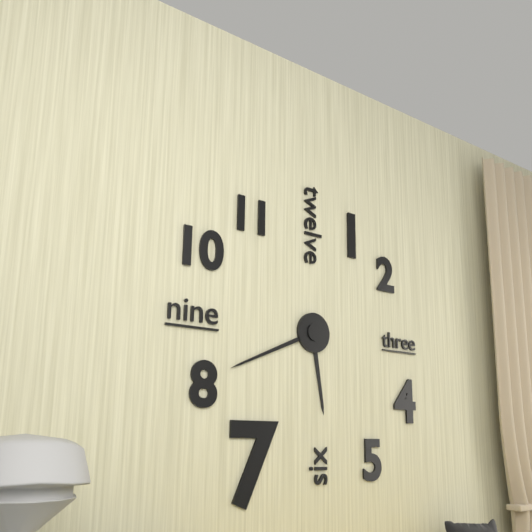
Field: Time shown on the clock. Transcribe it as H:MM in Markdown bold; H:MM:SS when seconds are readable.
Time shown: **5:41**
